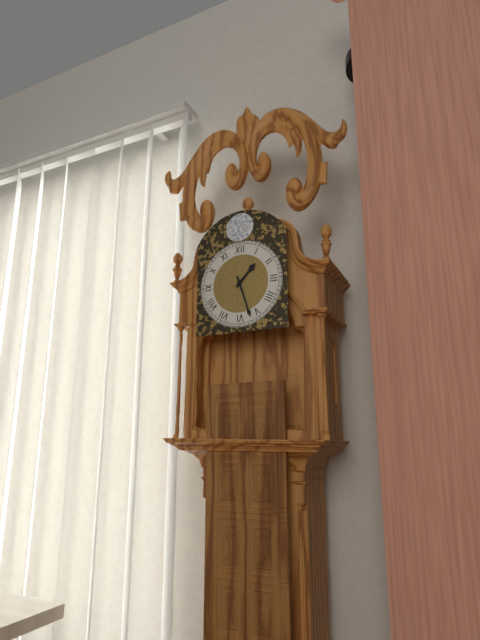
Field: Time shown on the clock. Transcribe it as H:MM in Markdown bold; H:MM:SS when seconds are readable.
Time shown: **1:27**
